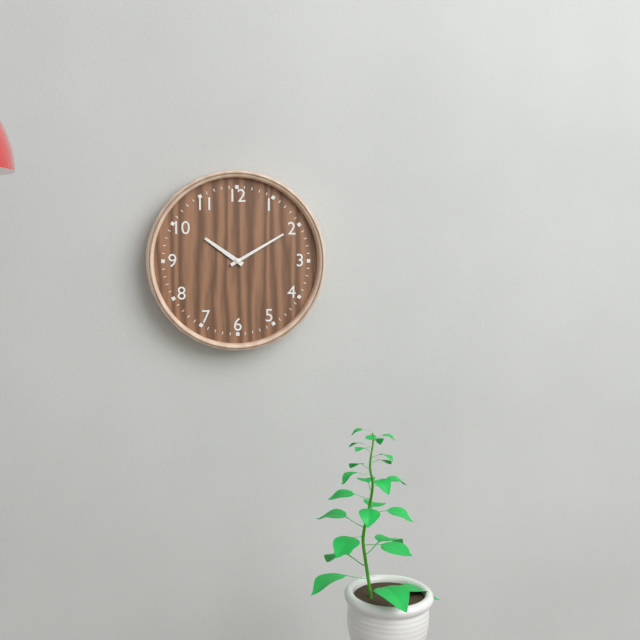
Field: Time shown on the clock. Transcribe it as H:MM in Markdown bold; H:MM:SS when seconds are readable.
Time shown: **10:10**
